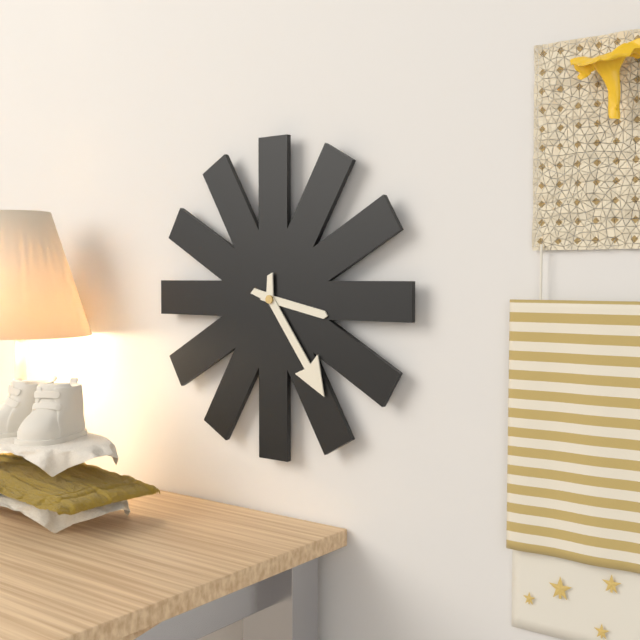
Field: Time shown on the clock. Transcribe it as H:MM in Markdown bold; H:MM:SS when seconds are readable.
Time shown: **3:24**
